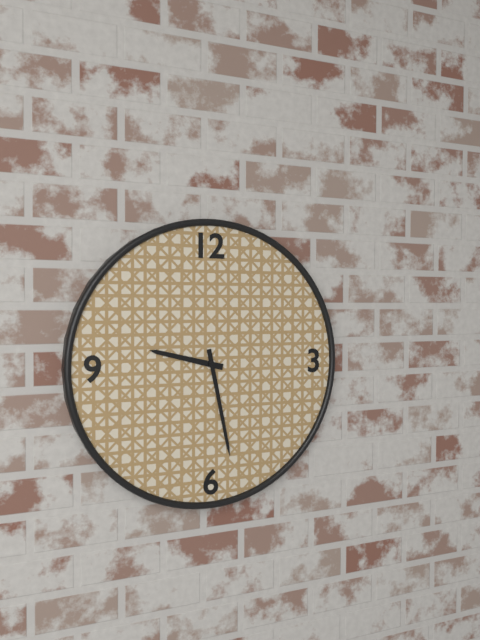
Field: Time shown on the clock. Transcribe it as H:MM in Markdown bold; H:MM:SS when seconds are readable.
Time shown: **9:28**
